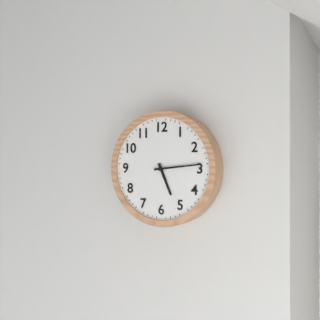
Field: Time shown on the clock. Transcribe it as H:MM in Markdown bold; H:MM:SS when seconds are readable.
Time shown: **5:14**
